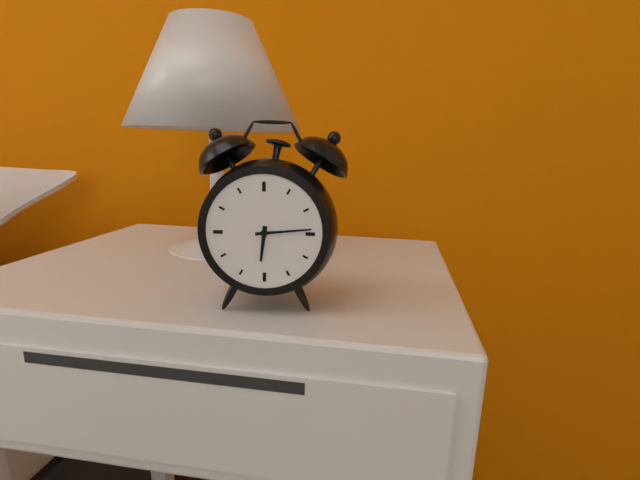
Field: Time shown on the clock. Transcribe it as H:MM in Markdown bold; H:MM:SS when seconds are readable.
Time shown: **6:14**
